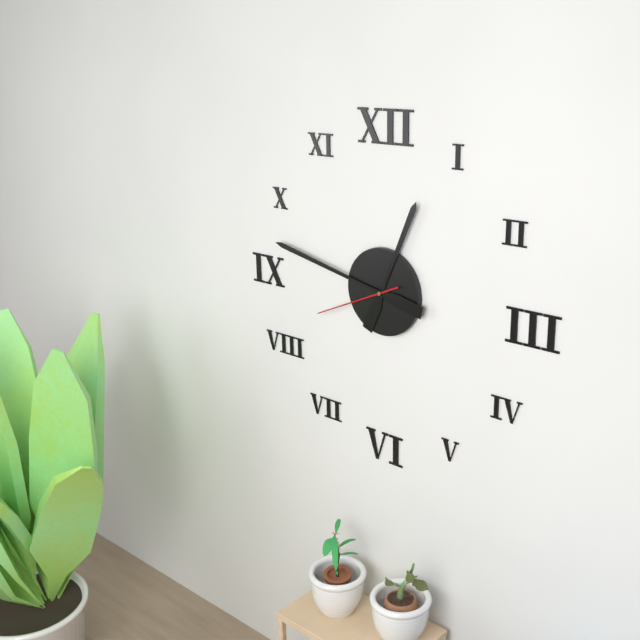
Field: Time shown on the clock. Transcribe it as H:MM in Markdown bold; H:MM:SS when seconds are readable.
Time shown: **12:47:41**
